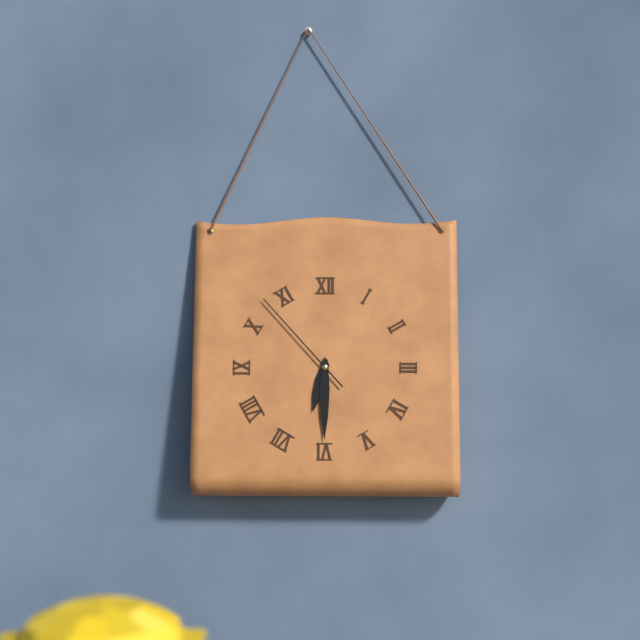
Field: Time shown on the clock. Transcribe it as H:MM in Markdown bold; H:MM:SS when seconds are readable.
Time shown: **6:30:53**
